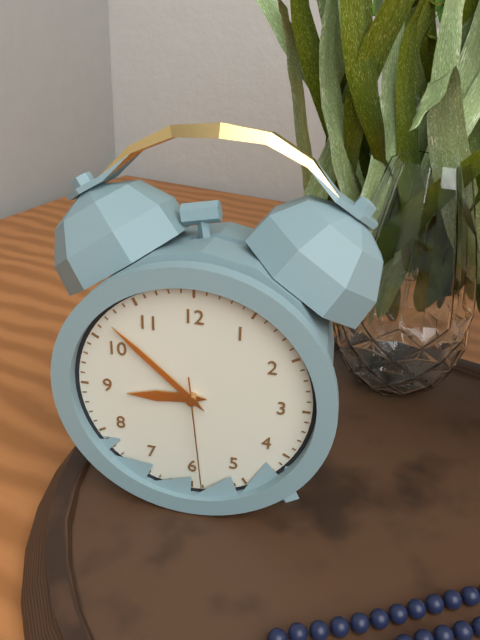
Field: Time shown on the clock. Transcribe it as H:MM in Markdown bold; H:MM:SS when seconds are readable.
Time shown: **8:52:29**
